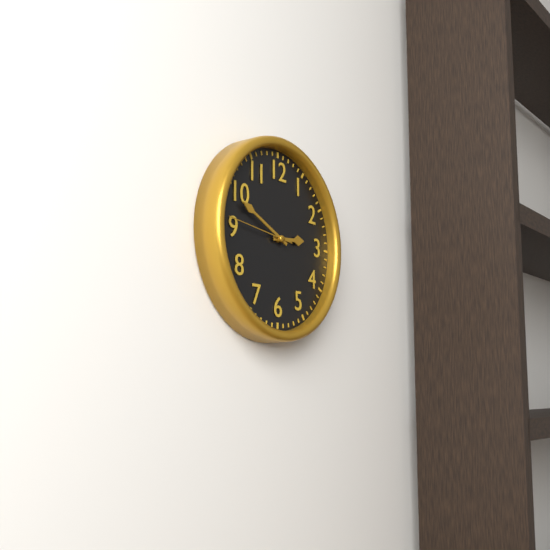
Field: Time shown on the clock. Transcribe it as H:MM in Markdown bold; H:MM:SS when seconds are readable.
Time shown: **2:49:46**
